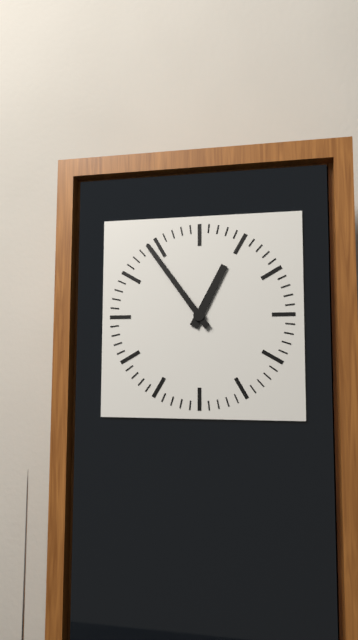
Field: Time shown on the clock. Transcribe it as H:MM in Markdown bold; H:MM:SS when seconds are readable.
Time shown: **12:54**
